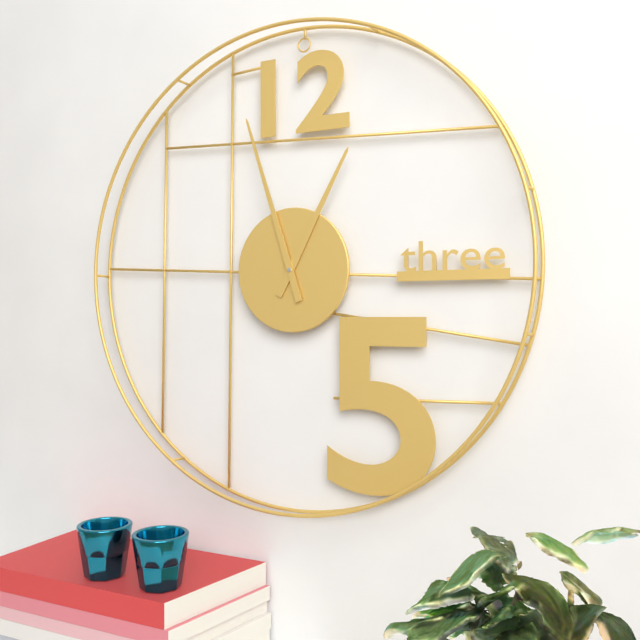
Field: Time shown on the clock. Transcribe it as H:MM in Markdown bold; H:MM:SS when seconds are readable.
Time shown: **12:57**
